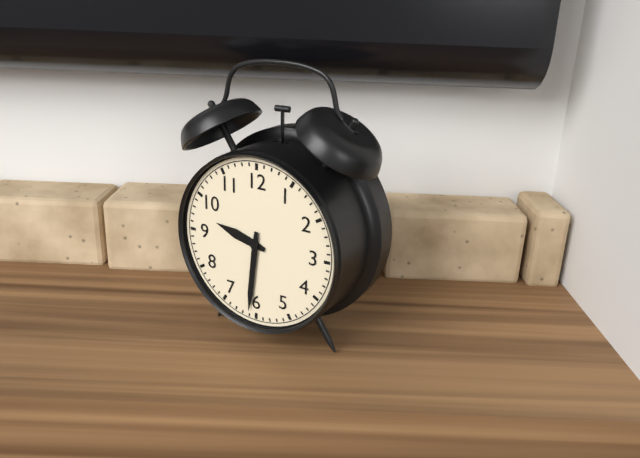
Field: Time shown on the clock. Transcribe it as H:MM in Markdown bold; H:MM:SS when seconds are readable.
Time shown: **9:31**
